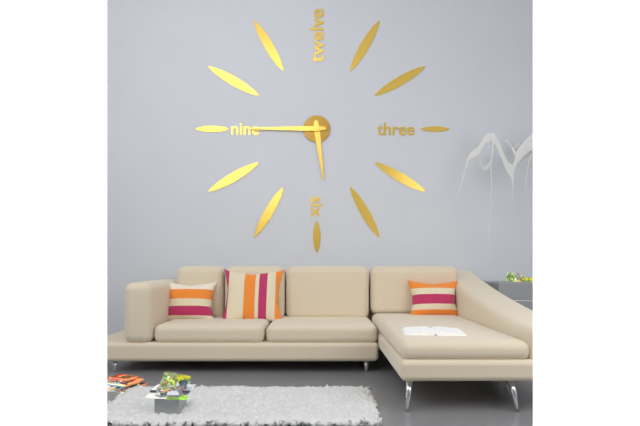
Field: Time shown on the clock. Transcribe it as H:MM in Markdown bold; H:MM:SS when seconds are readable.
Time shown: **5:45**
